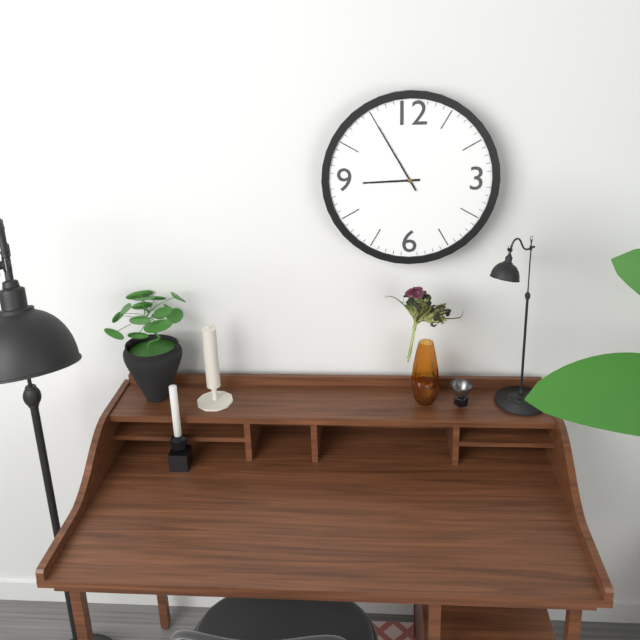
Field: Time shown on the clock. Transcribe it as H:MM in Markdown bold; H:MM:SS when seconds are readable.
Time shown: **8:55**
